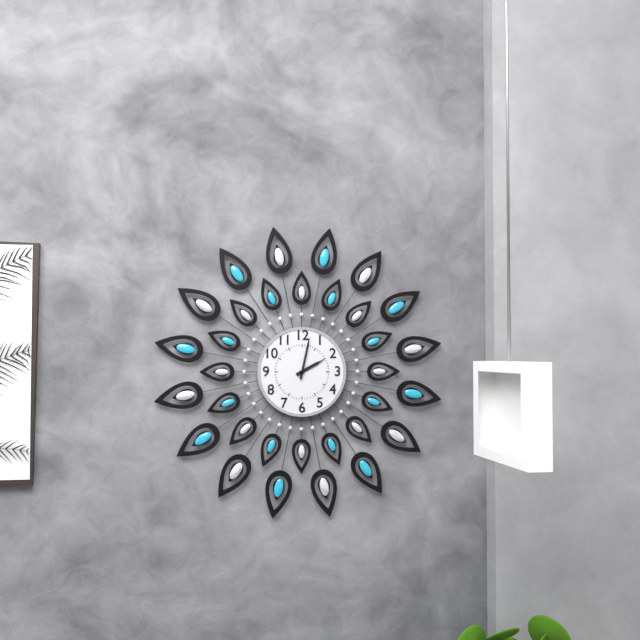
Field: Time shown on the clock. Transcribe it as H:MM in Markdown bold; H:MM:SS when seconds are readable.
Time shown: **2:02**
